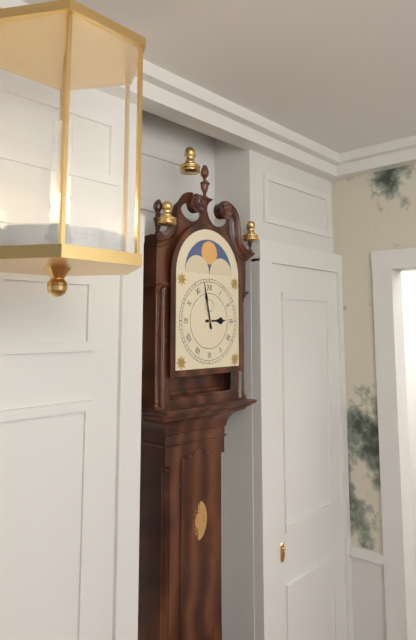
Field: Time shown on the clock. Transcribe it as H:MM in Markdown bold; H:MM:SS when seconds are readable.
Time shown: **2:58**
